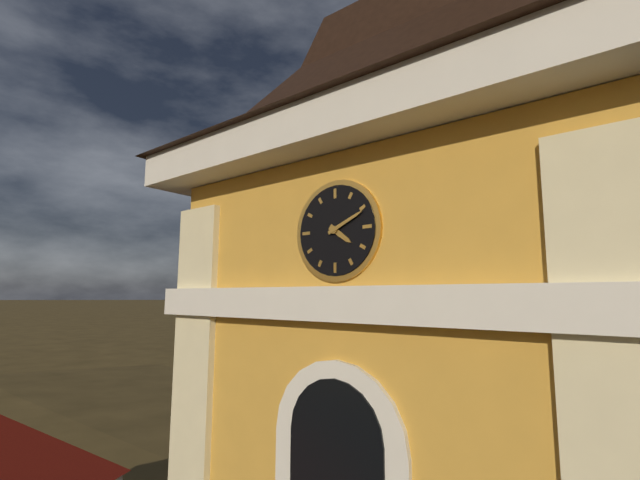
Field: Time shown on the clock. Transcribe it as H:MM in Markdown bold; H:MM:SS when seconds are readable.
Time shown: **4:11**
